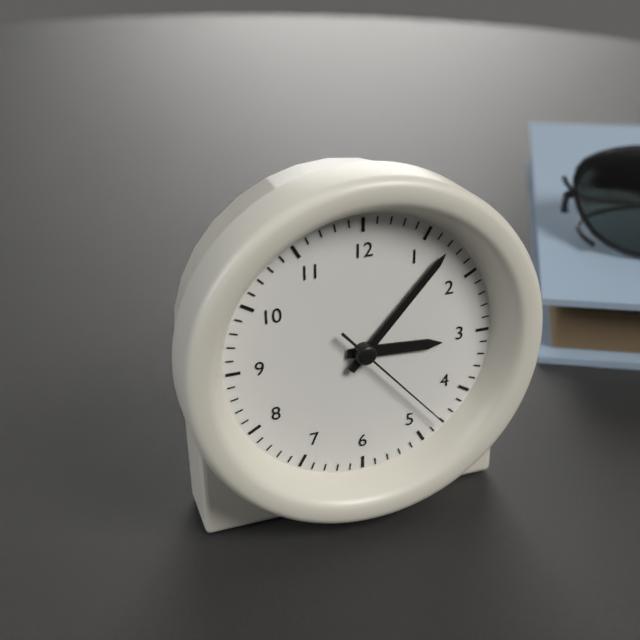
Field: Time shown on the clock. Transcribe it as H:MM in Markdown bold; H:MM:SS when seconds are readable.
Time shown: **3:07:23**
